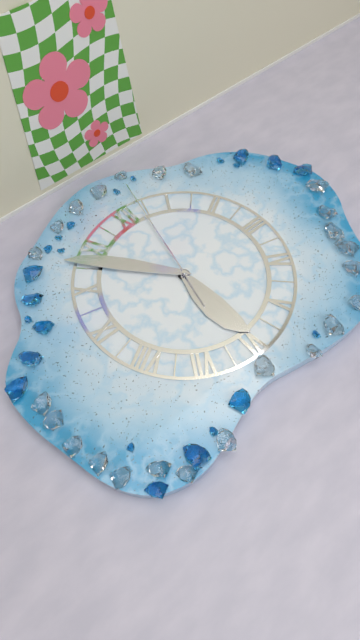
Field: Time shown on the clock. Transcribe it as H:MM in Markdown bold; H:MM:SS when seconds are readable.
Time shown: **5:53:02**
